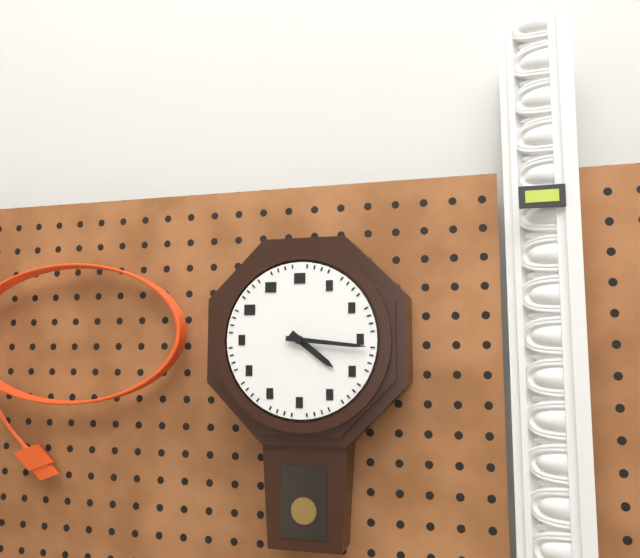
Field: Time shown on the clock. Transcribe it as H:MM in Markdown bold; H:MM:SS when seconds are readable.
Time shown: **4:16**
